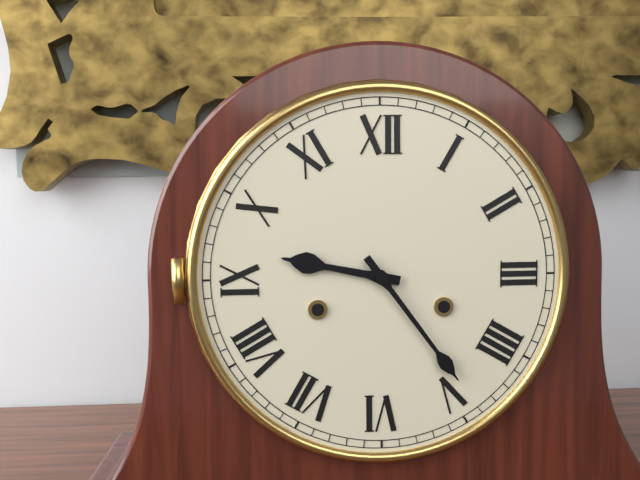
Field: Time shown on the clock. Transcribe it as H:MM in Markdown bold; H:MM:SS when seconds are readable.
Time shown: **9:24**
